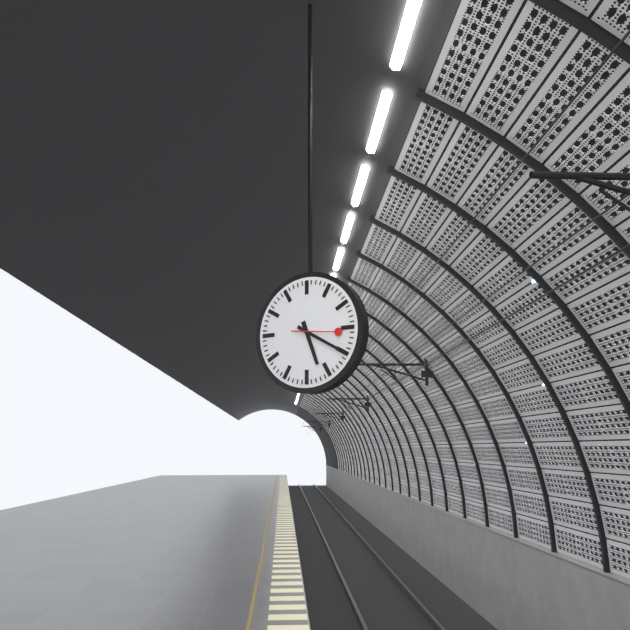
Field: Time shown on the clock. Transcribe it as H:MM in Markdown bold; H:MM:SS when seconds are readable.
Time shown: **5:20**
